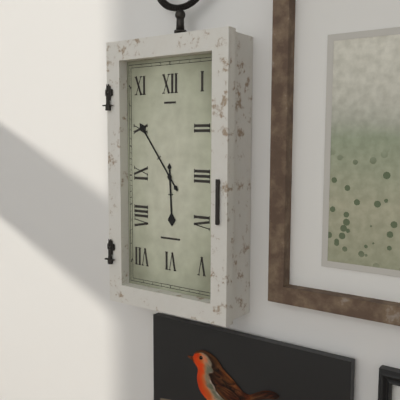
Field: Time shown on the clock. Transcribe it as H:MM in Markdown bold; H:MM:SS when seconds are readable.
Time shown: **5:54**
